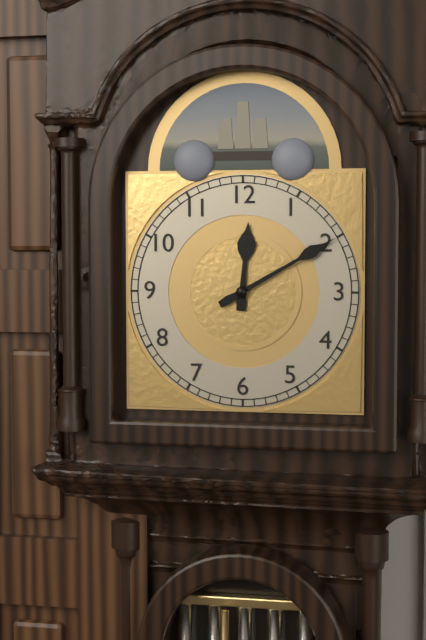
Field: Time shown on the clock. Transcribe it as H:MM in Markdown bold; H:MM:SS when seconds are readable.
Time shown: **12:10**
